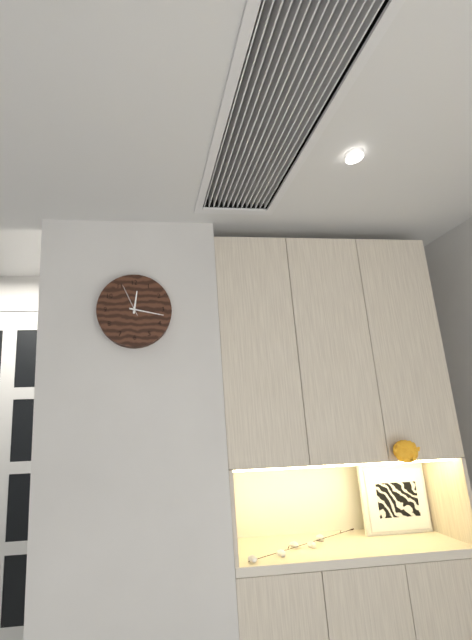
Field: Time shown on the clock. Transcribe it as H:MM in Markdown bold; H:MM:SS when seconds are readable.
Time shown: **12:17**
